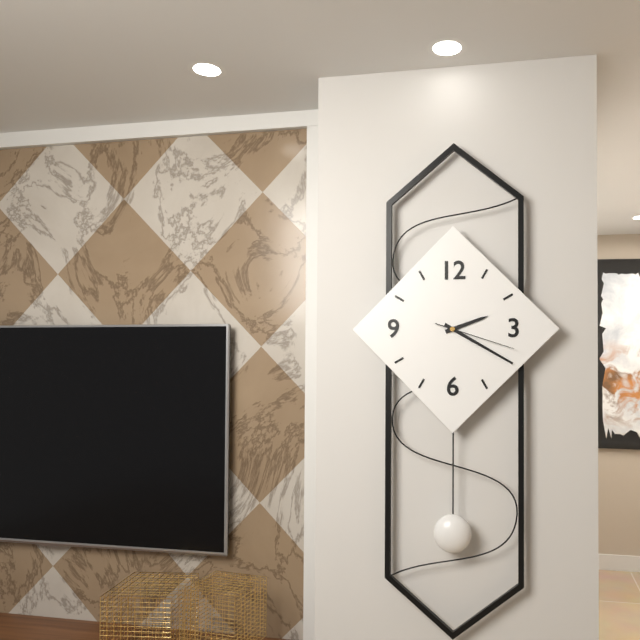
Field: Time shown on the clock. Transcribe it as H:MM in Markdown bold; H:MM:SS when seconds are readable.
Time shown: **2:20:18**
